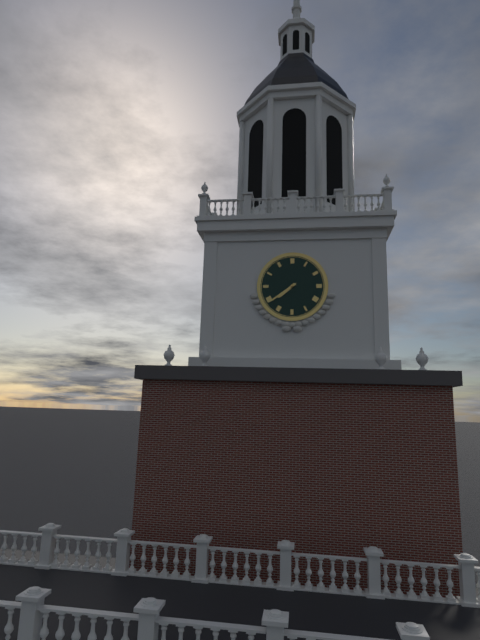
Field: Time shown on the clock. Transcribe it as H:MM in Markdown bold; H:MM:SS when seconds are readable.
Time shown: **7:39**
